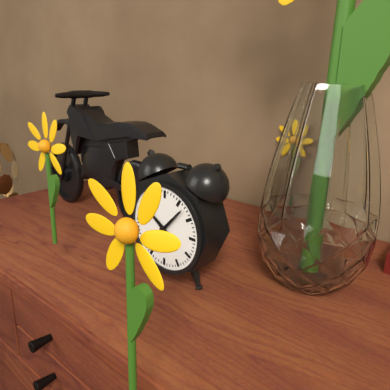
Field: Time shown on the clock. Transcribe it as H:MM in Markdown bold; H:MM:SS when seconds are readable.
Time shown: **10:07**
